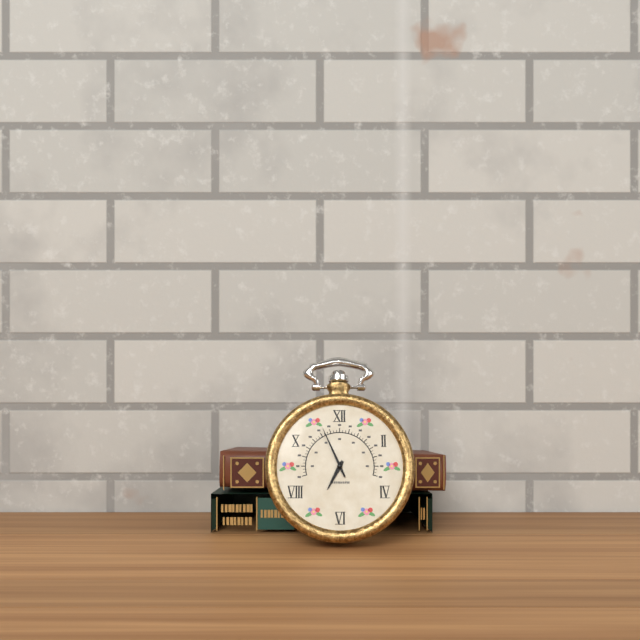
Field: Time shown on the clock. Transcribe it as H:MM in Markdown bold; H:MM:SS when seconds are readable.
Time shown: **6:56**
